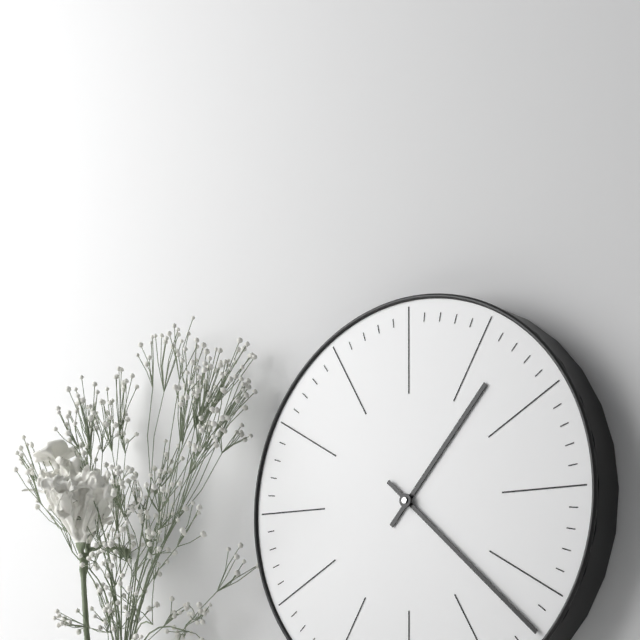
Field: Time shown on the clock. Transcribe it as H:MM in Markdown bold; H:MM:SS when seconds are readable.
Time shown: **1:22**
